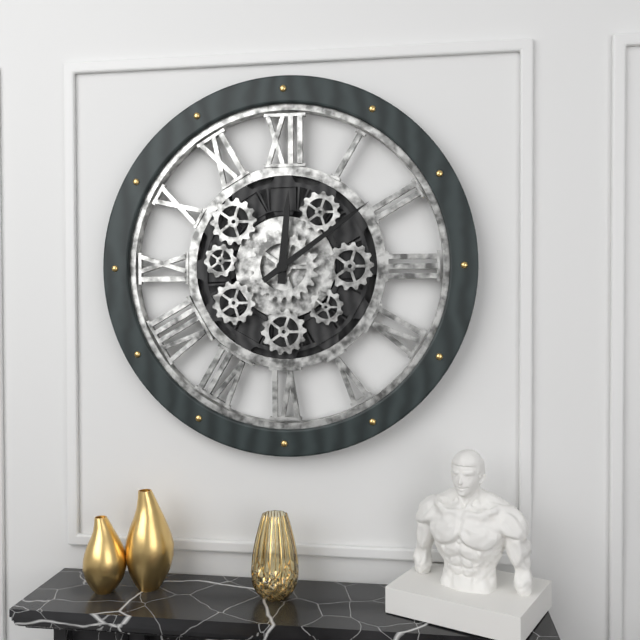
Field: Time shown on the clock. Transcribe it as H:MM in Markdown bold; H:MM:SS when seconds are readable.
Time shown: **12:09**
